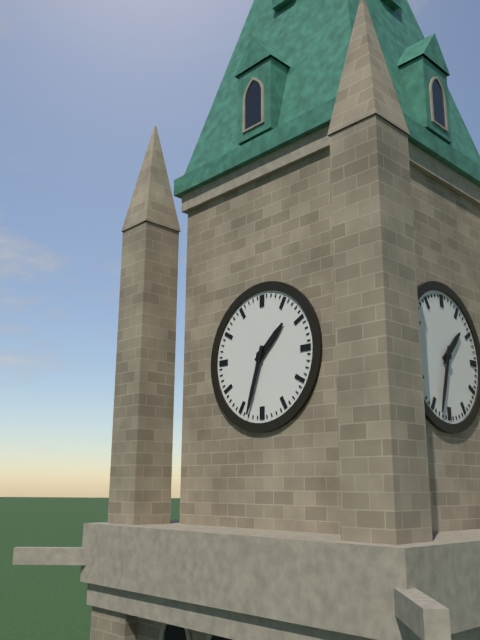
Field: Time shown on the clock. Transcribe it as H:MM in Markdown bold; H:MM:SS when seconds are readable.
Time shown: **1:33**
